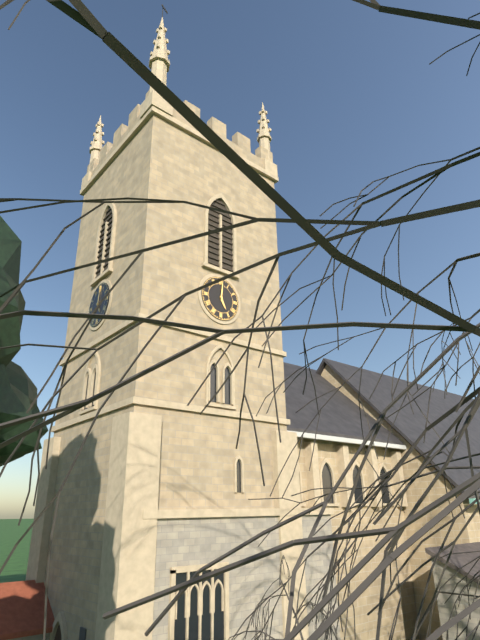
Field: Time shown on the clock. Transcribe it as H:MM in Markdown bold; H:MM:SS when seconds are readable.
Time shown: **5:01**
